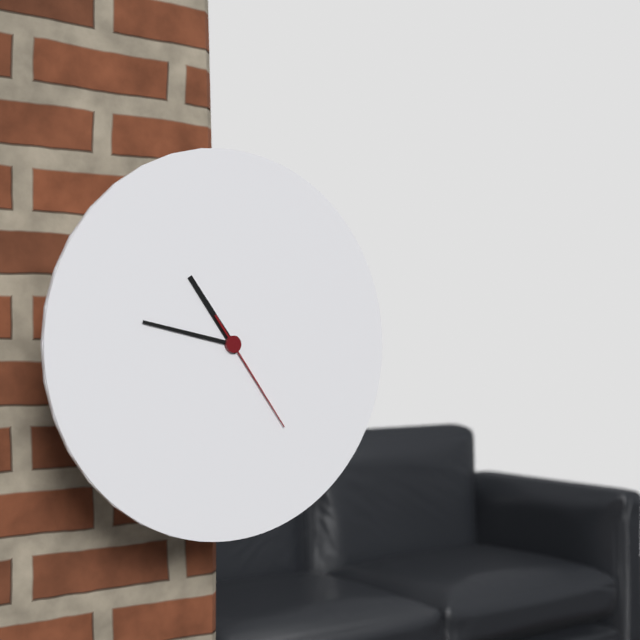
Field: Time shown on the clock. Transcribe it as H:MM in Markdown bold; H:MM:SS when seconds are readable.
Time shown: **10:47:24**
